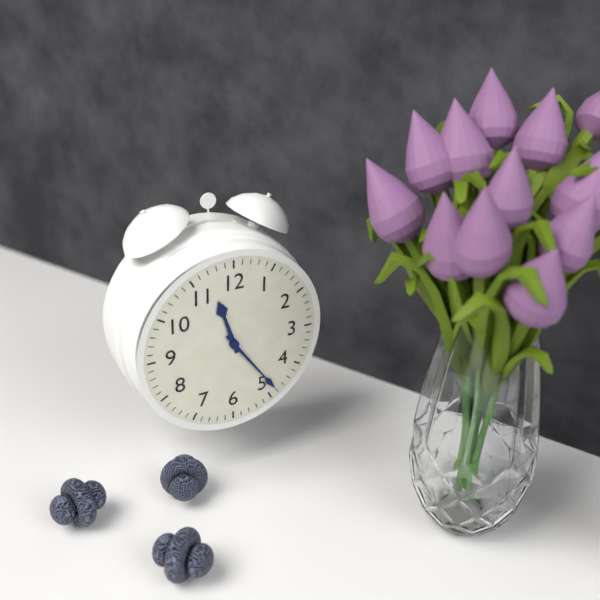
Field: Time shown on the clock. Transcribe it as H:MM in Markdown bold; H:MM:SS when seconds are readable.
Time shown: **11:24**
